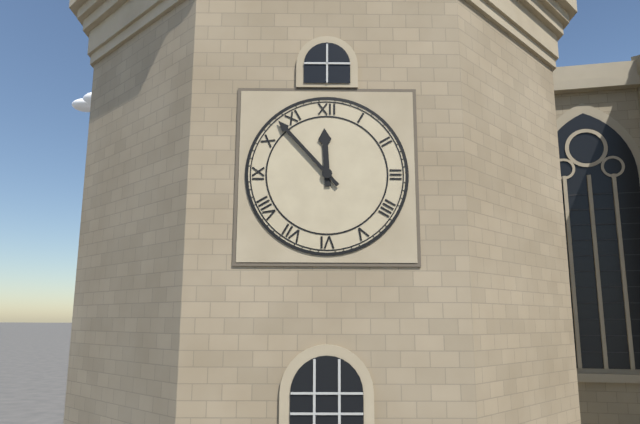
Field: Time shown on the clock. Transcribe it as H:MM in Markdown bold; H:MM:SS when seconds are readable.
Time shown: **11:53**
